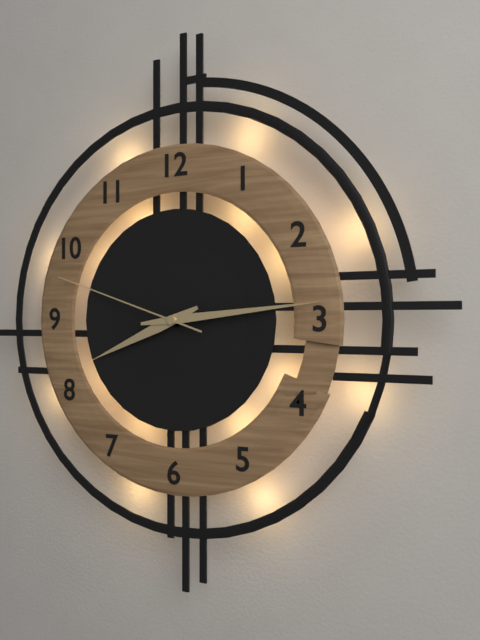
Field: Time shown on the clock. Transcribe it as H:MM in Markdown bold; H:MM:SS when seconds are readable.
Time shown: **8:14:48**
